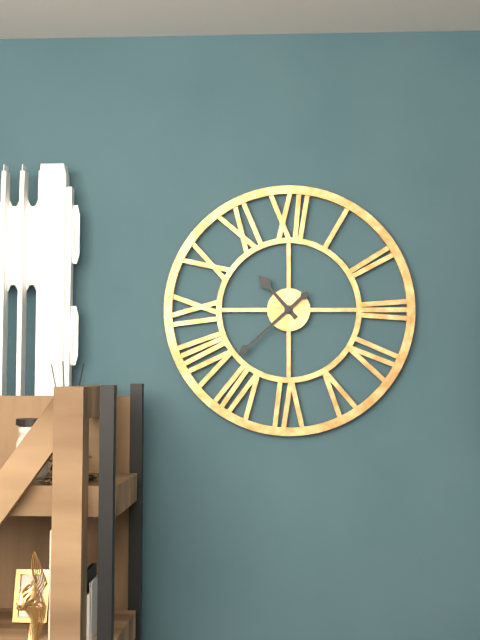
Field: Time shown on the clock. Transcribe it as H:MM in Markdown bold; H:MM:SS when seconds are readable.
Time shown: **10:38**
